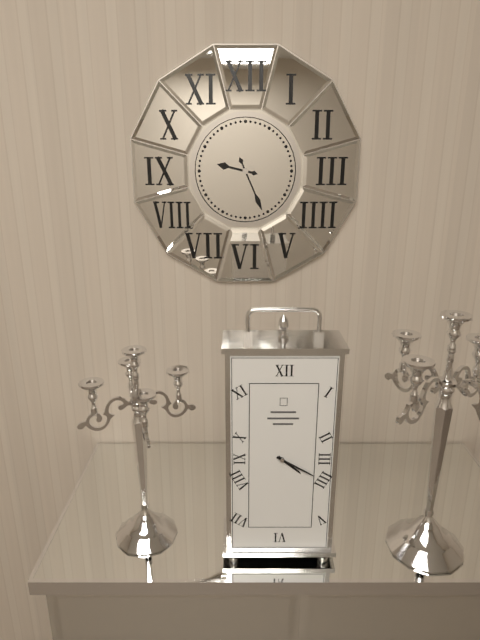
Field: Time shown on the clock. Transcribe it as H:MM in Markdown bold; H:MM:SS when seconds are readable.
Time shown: **9:26**
